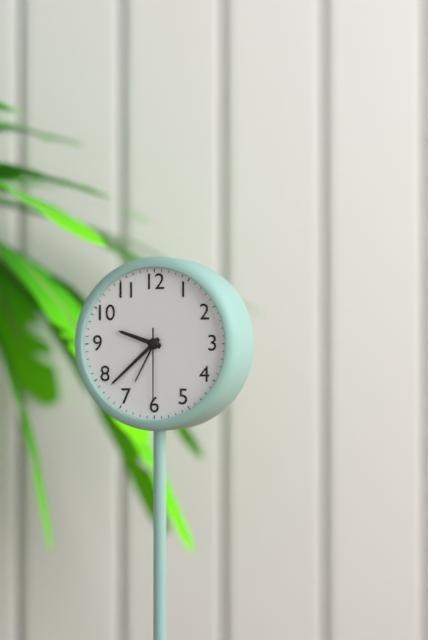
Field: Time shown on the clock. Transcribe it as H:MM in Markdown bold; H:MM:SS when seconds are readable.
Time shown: **9:38:30**
